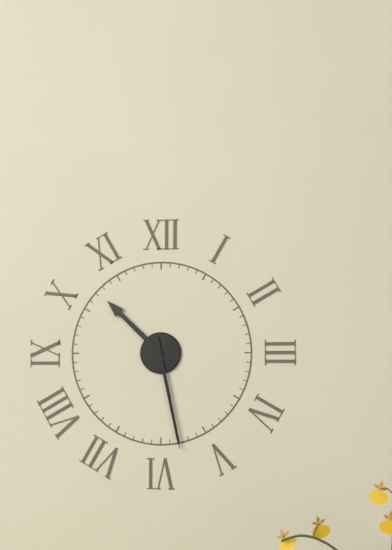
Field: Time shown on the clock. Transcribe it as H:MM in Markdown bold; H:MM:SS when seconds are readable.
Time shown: **10:28**
